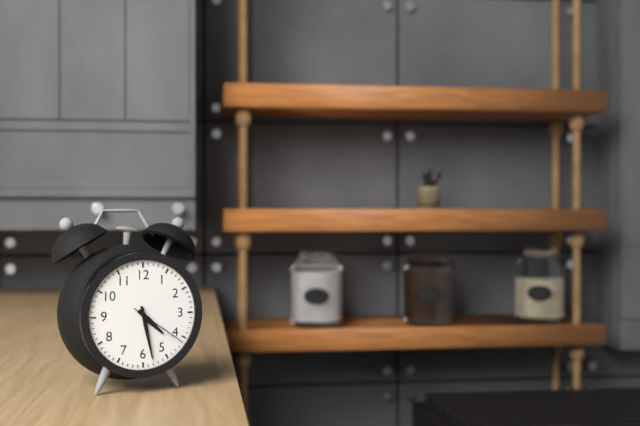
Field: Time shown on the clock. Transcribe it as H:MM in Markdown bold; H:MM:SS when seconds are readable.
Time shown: **4:28:21**
